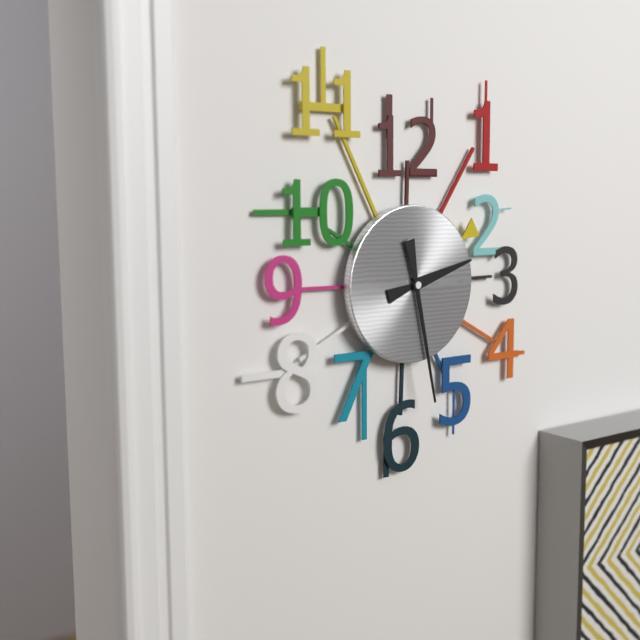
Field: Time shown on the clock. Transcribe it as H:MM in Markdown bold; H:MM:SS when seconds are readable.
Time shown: **2:28**
